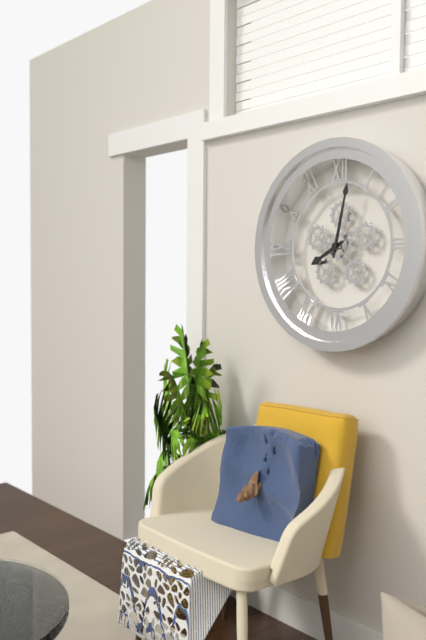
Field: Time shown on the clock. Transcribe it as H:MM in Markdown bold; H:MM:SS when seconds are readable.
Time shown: **8:02**
